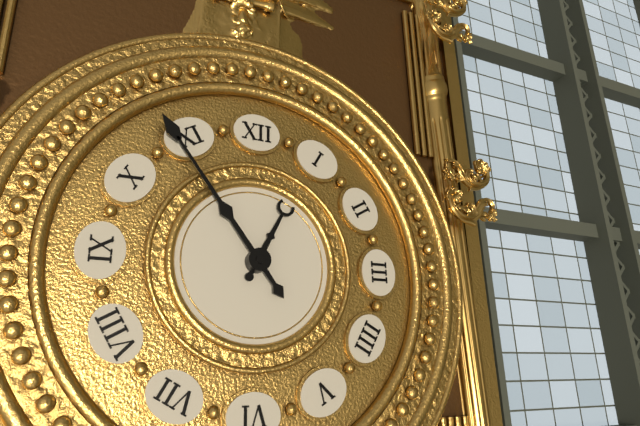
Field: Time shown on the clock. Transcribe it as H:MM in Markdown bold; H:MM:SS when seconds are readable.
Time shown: **12:54**
